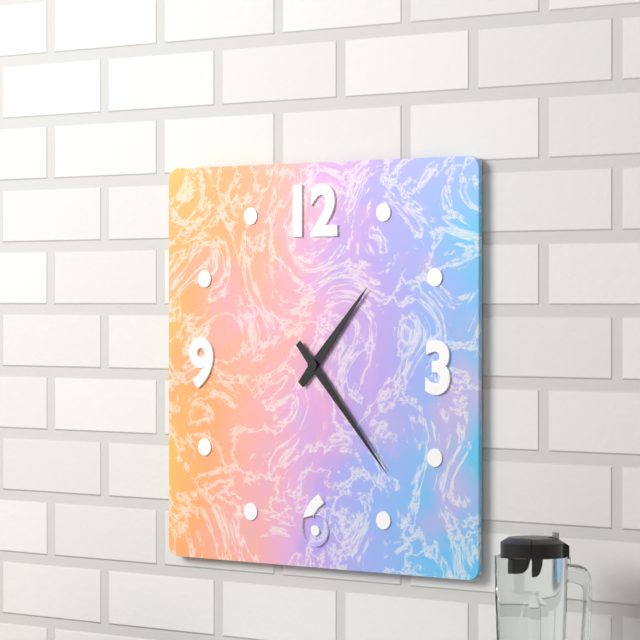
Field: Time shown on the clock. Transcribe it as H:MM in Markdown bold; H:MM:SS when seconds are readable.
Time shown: **1:23**
